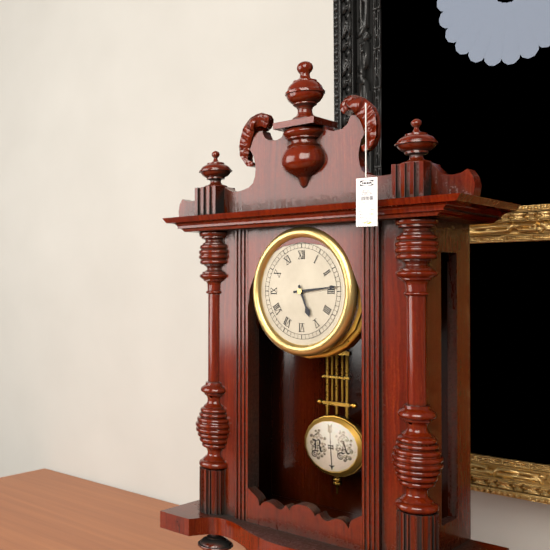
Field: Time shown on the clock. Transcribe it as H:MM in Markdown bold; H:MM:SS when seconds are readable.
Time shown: **5:14**
